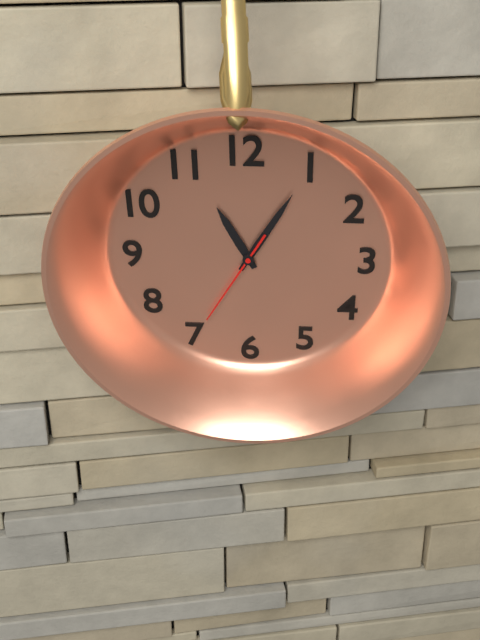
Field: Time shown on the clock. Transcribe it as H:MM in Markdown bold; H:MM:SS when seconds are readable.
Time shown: **11:05:35**
